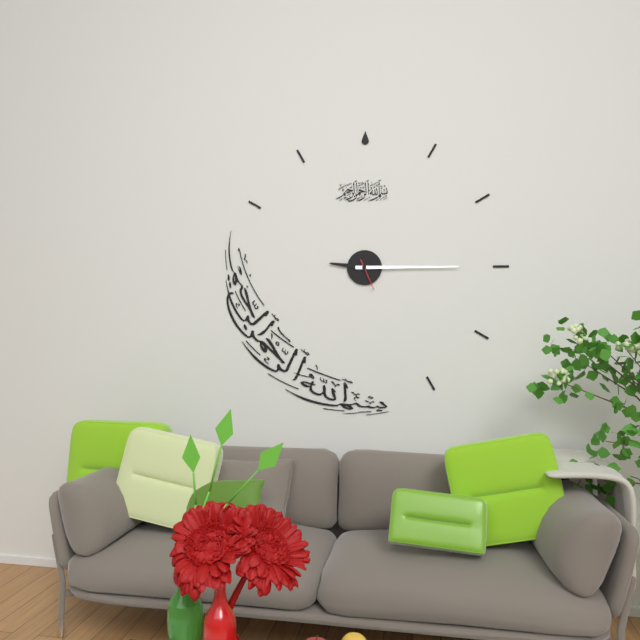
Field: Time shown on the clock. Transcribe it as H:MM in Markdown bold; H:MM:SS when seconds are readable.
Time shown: **9:15**
